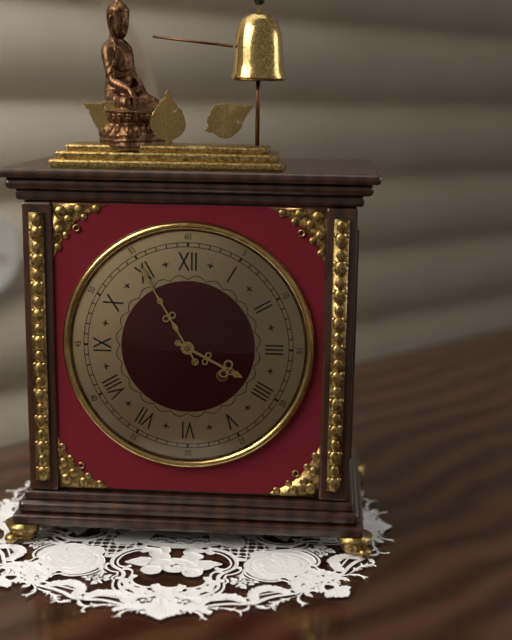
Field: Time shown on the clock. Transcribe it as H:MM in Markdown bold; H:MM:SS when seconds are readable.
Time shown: **3:55**
